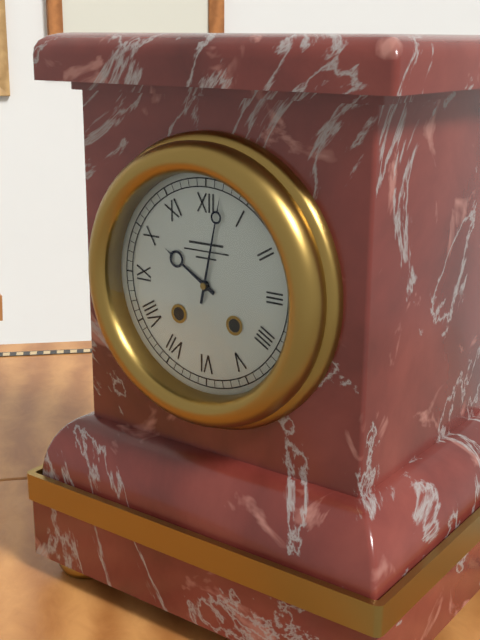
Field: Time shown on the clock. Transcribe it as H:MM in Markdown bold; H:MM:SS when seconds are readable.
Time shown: **10:02**
